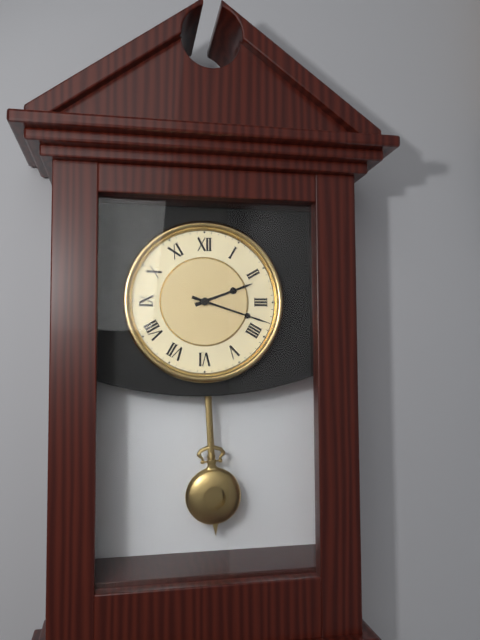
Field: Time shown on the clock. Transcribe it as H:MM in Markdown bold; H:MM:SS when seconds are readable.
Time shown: **2:18**
